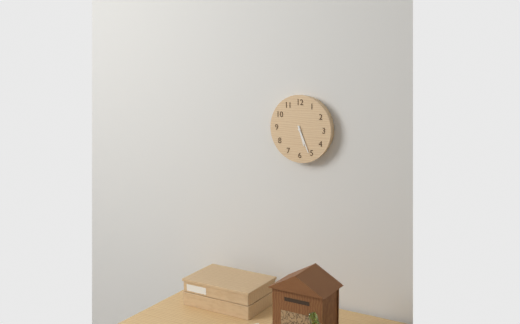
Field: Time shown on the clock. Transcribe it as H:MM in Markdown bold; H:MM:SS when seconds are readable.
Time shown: **5:26**
